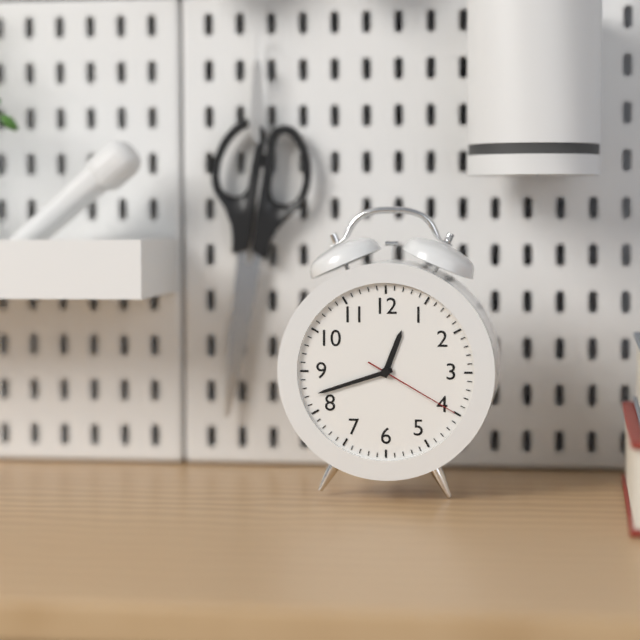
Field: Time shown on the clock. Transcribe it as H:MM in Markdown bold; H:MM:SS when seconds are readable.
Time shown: **12:42:20**
